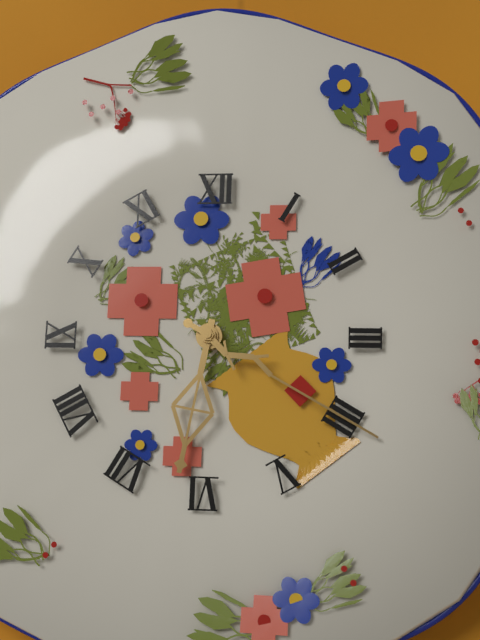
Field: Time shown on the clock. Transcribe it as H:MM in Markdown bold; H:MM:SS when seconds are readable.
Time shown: **6:20**
